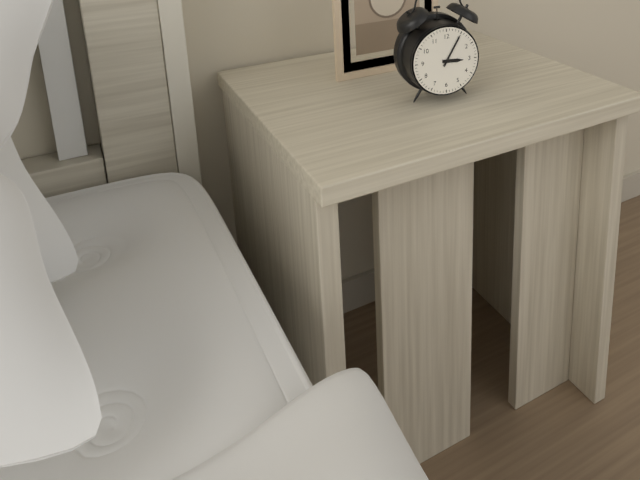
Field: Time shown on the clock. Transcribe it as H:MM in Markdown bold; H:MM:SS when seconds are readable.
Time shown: **3:05**
